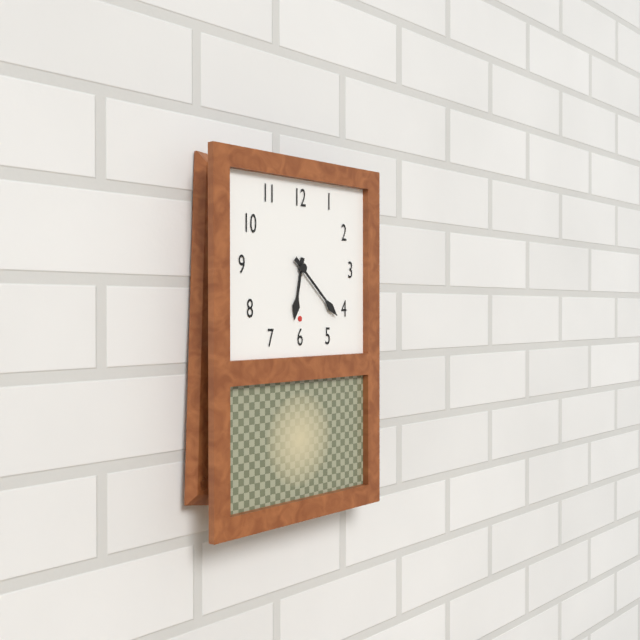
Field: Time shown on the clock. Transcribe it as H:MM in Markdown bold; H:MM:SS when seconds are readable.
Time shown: **6:22**
